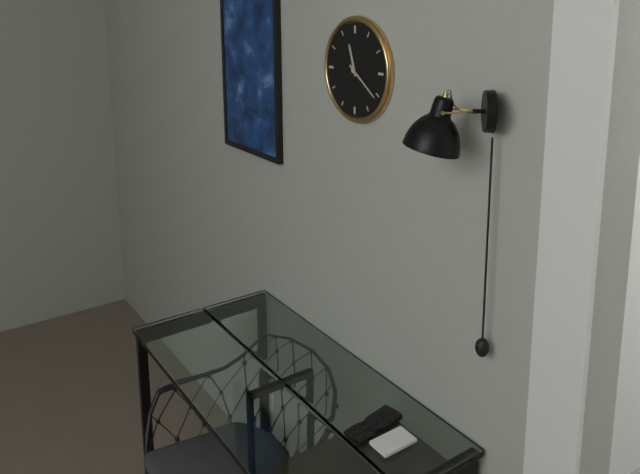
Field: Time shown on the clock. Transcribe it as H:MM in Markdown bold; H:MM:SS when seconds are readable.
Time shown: **11:21**
